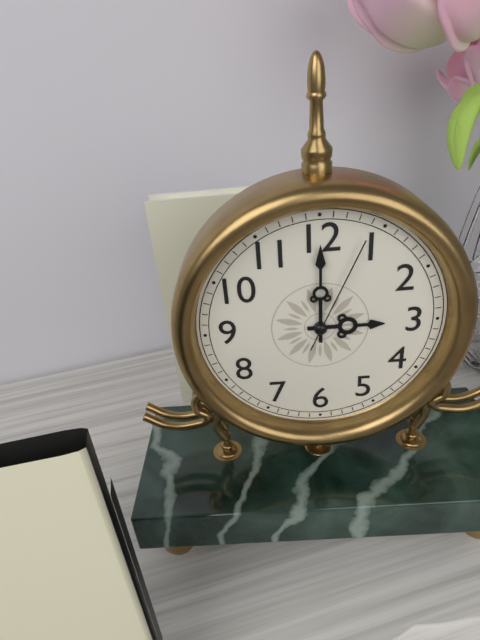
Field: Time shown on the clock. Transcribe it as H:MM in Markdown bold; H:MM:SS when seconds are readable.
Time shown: **3:00:04**
